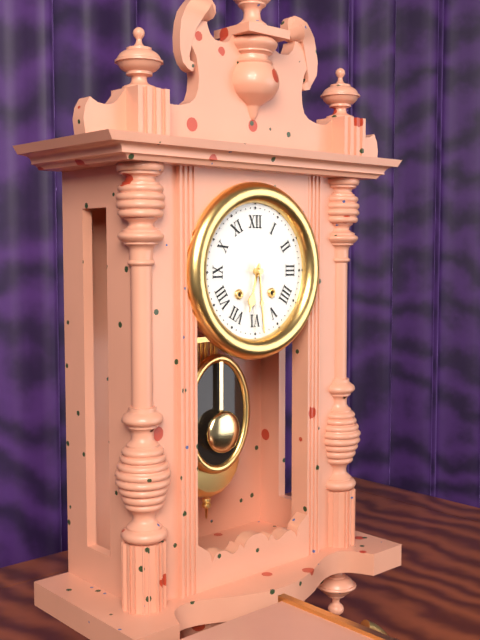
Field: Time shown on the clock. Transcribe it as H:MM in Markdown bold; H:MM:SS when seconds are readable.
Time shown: **6:29**
